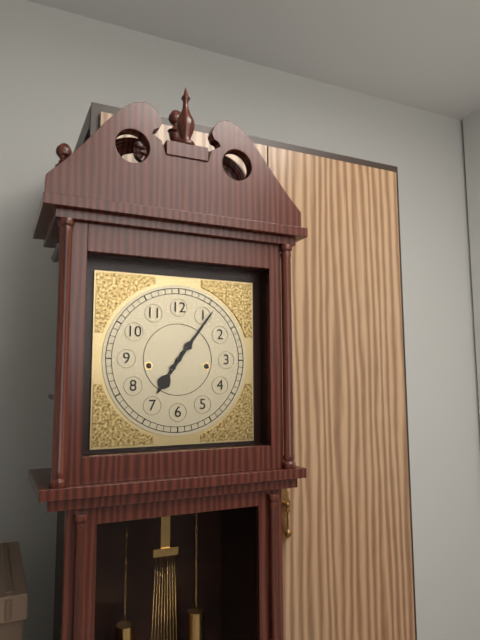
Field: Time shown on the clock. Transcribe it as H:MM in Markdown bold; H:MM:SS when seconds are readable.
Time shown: **7:06**
